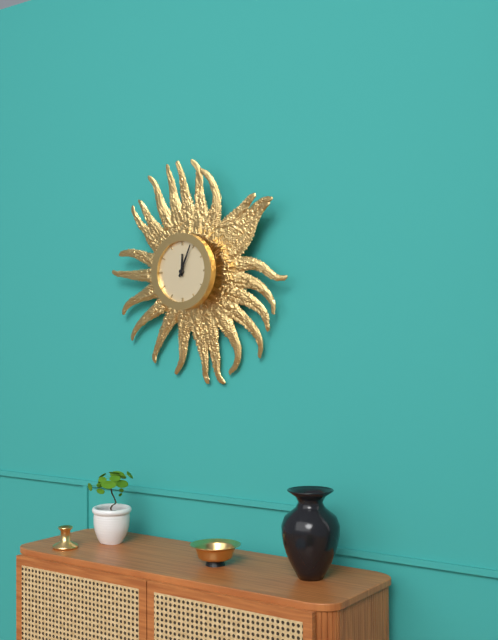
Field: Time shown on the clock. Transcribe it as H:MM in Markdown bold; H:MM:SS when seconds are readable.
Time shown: **12:04**
